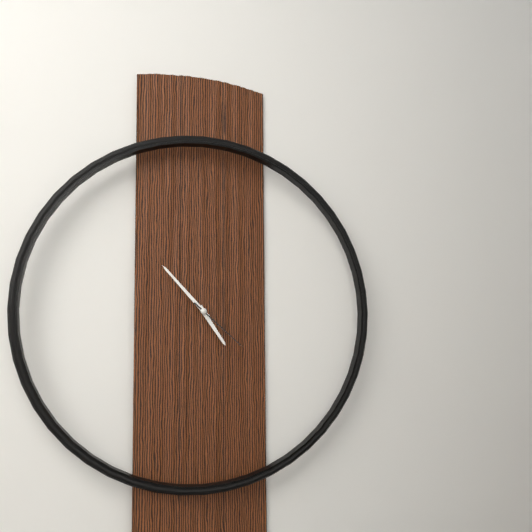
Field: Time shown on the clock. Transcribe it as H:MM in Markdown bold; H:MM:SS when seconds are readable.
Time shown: **4:53:22**
